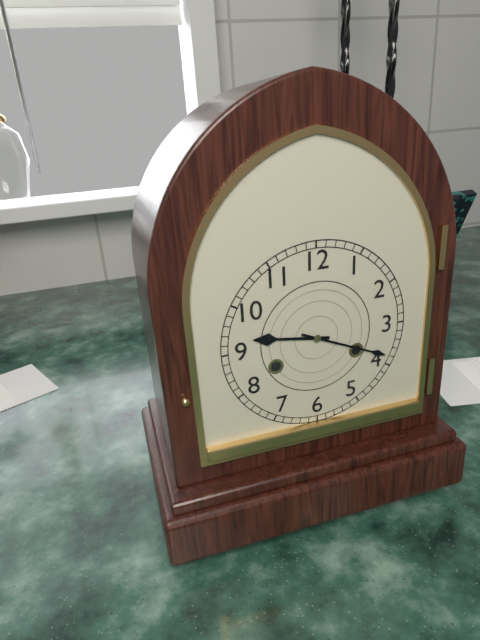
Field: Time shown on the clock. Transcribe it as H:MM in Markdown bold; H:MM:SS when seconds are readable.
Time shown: **9:19**
